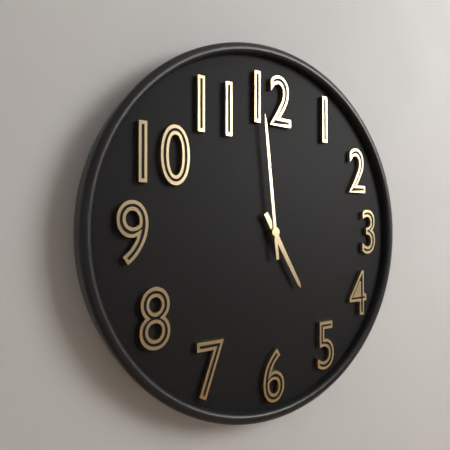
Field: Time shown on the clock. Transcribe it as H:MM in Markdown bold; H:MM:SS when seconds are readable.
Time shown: **4:59**
